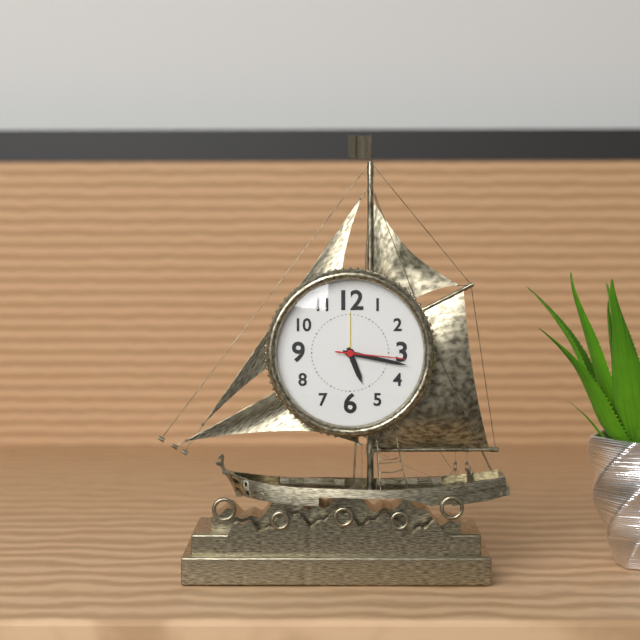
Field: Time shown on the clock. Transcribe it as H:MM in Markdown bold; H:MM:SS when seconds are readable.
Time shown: **5:17:16**
